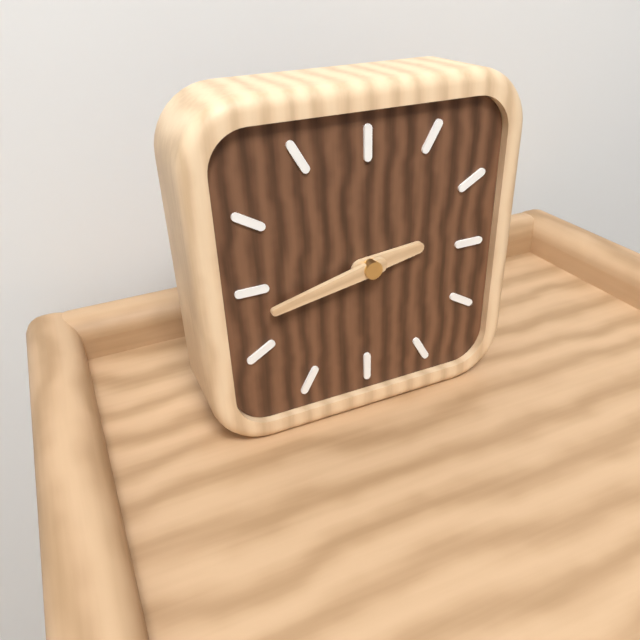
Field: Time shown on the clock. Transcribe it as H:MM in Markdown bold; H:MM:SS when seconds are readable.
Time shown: **2:43**
